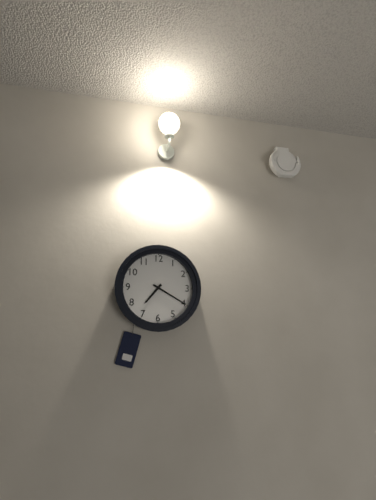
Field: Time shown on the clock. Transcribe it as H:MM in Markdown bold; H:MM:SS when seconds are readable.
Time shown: **7:20**
